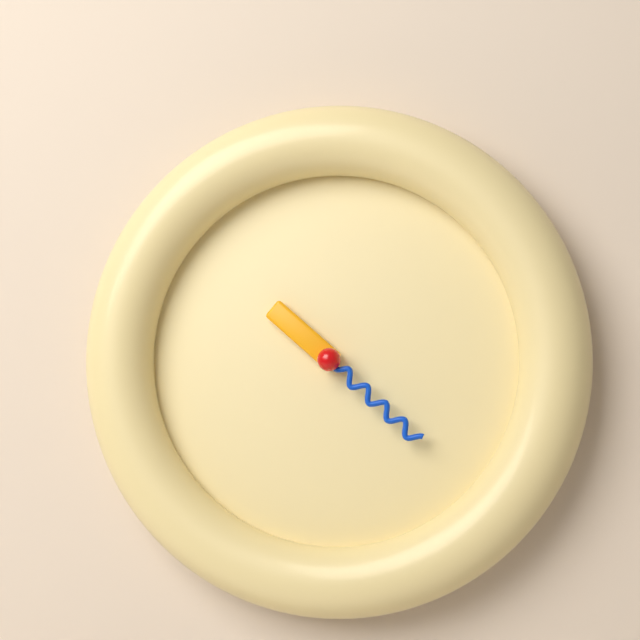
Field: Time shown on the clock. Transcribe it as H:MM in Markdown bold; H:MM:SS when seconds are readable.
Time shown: **10:22**
